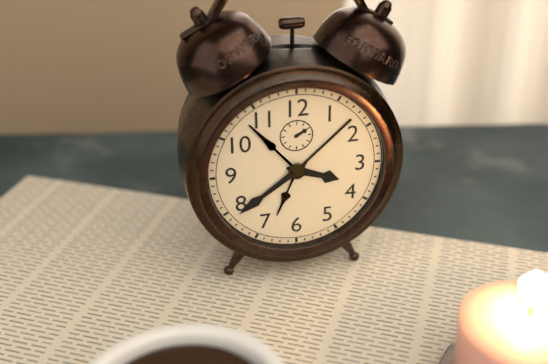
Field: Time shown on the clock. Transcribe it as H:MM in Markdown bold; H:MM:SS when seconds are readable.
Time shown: **3:39**
